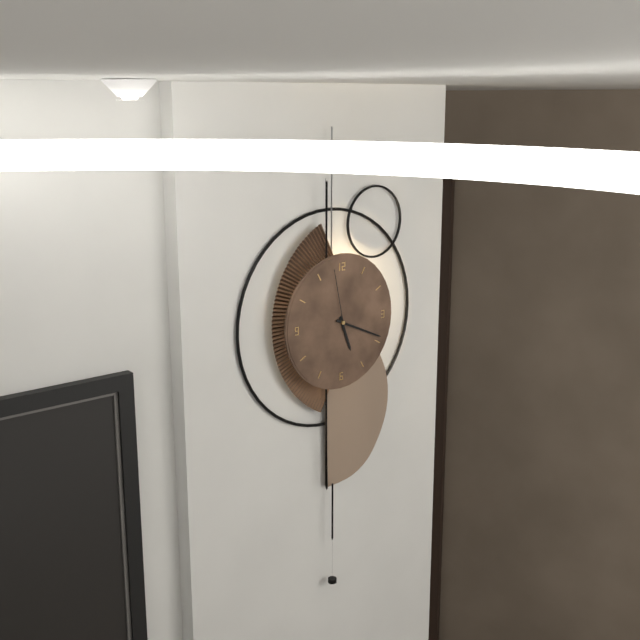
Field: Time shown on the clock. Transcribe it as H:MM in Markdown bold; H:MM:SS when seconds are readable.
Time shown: **5:19:58**
